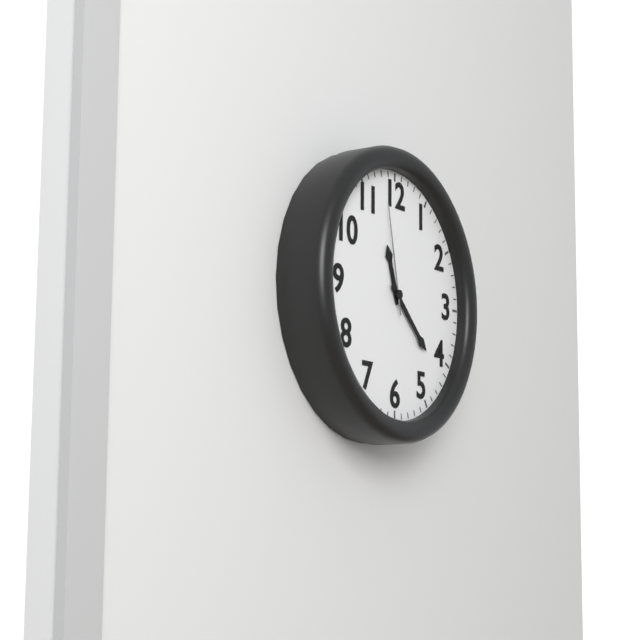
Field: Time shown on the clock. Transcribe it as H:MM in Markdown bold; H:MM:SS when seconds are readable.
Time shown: **11:22:58**
